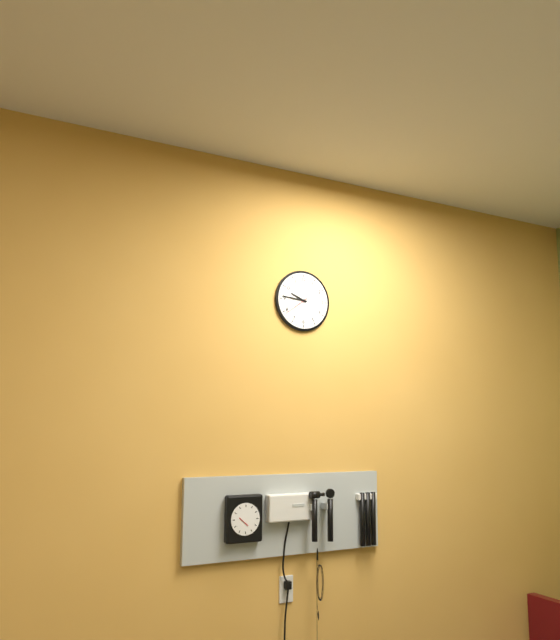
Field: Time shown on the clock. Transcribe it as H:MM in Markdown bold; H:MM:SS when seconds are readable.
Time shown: **9:46**
